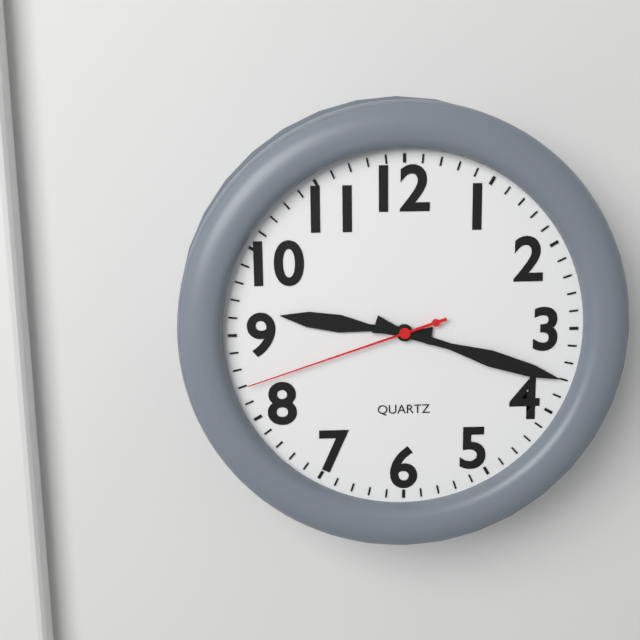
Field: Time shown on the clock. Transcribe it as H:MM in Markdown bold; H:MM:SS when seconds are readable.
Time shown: **9:18:42**
